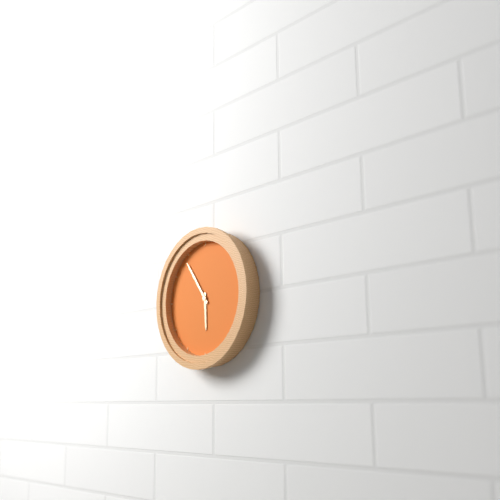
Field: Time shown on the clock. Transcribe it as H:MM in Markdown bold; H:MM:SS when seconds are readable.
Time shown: **5:54**
